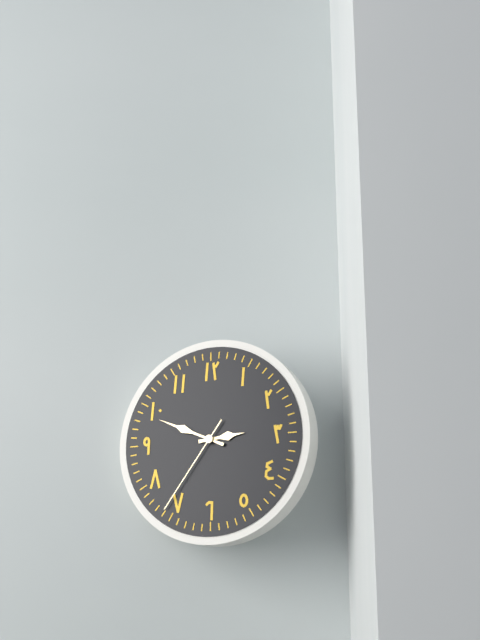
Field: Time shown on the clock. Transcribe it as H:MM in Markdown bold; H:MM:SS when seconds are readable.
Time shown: **2:49:36**
